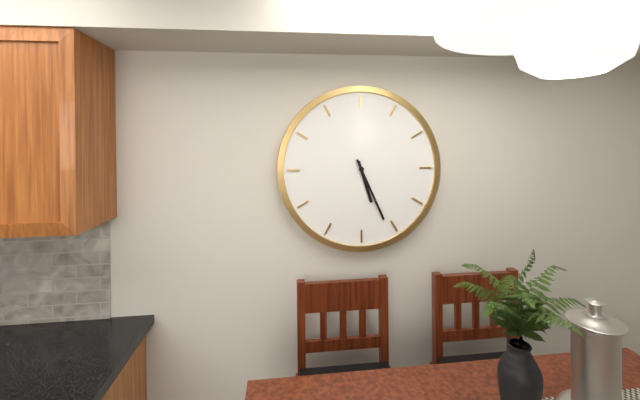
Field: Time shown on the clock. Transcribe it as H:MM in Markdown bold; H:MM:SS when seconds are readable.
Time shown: **5:26**
